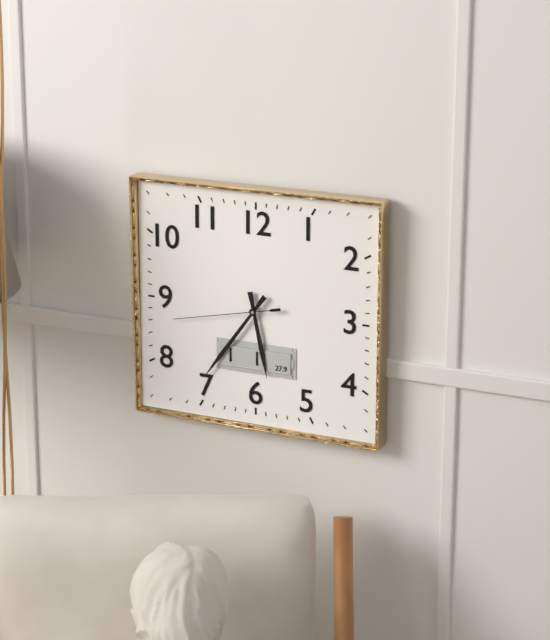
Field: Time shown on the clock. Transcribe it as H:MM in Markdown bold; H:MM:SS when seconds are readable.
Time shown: **5:36:43**
